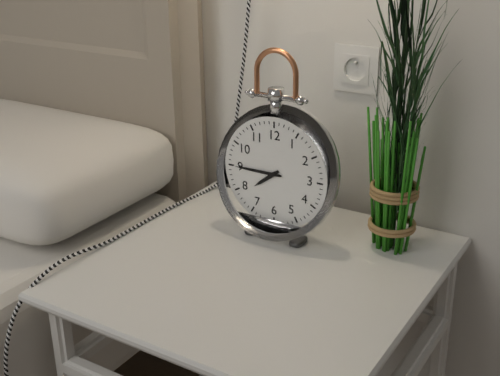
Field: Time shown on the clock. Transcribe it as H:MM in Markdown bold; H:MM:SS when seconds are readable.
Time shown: **7:45**
